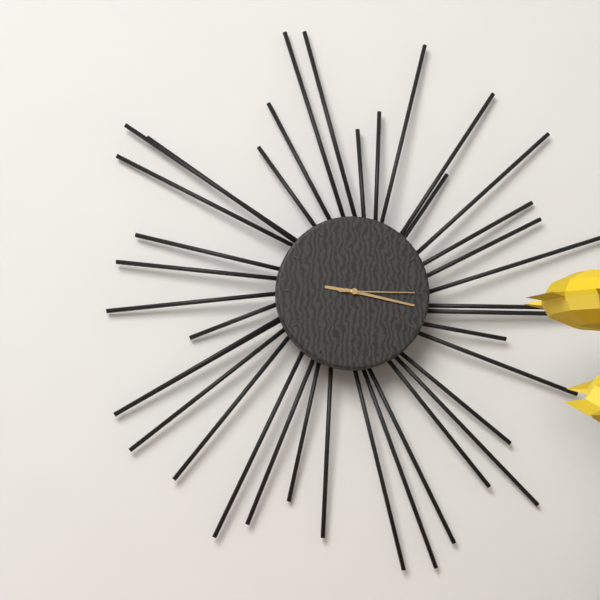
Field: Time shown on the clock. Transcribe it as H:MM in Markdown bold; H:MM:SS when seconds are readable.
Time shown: **9:17:15**
